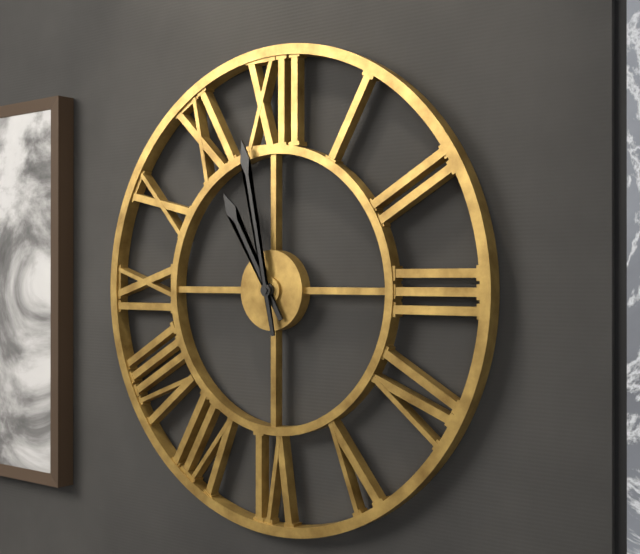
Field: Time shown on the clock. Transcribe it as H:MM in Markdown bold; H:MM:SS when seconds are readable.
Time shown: **10:58**
